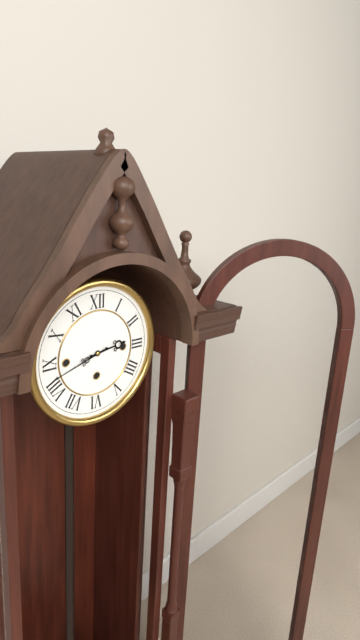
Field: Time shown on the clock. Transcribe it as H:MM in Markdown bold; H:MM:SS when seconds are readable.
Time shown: **2:42**
